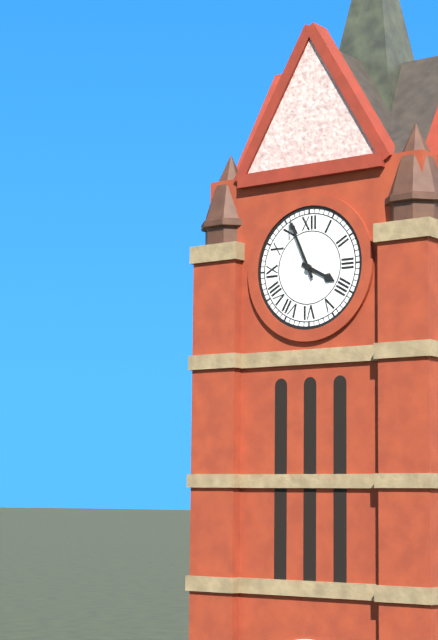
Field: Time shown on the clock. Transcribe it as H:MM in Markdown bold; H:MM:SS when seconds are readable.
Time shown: **3:56**
